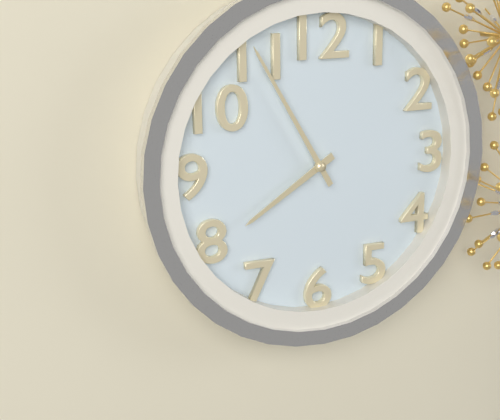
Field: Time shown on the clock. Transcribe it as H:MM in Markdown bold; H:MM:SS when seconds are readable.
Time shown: **7:55**
